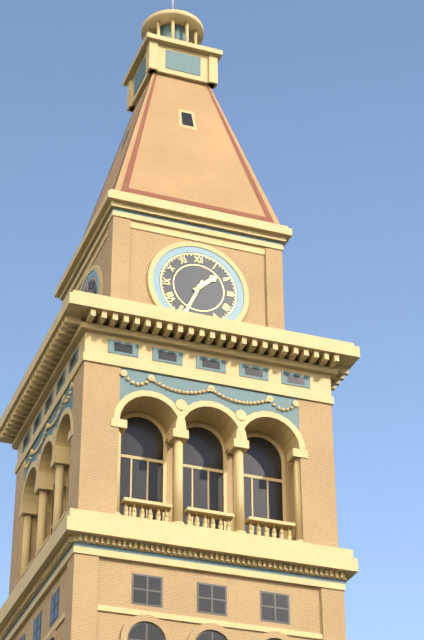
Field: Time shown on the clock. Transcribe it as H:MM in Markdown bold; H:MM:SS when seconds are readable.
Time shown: **1:34**
